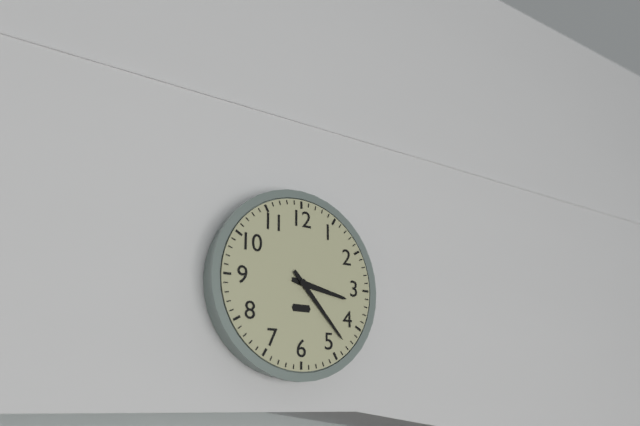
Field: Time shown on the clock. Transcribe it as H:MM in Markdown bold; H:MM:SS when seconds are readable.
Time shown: **3:23**
